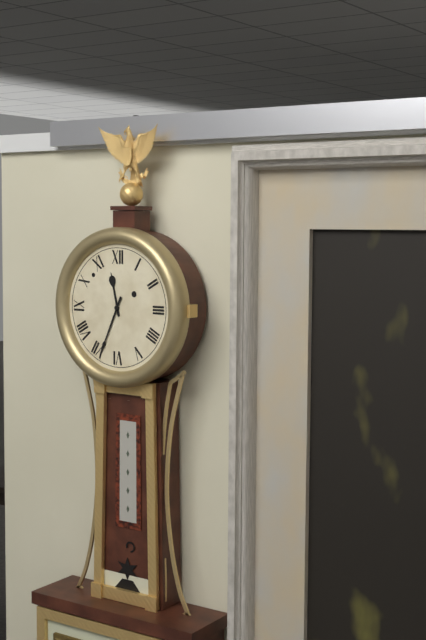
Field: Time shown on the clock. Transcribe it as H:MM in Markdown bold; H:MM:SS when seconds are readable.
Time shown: **11:34**
